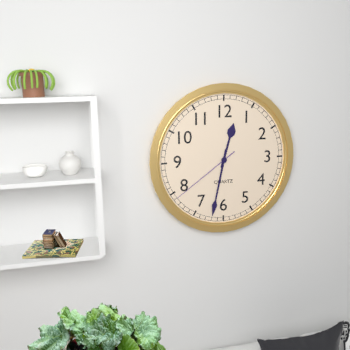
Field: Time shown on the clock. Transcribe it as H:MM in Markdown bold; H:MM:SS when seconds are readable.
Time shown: **12:32:39**
